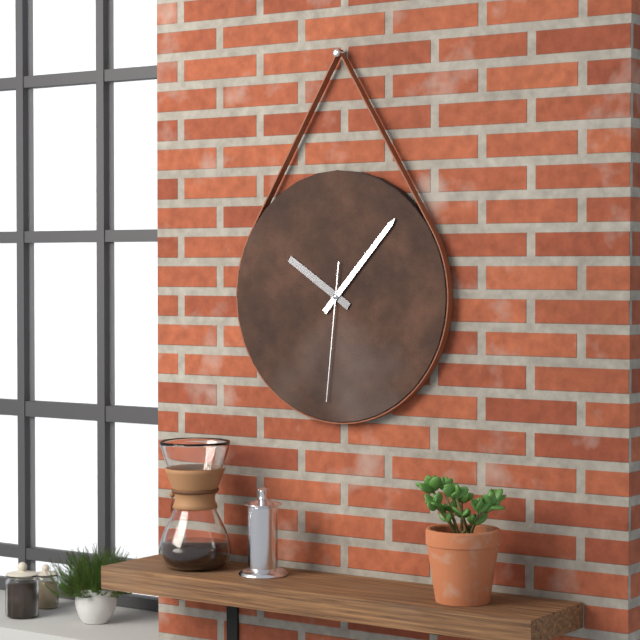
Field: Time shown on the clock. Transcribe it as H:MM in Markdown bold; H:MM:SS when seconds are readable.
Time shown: **10:07:31**
